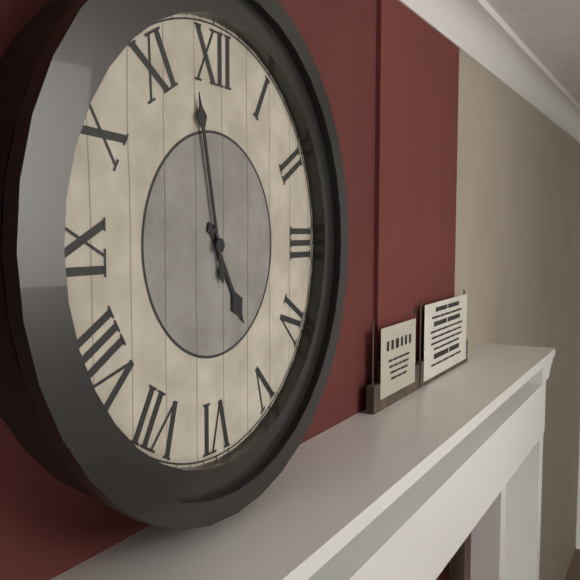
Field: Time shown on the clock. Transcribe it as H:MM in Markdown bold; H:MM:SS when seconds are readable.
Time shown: **4:58**
